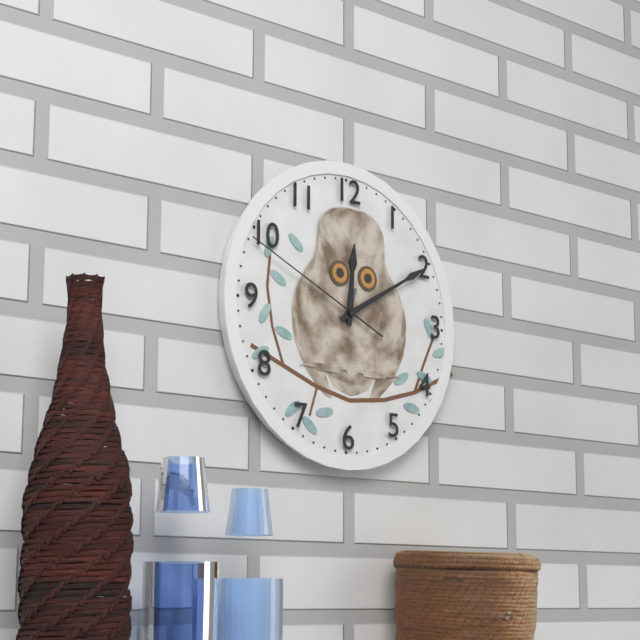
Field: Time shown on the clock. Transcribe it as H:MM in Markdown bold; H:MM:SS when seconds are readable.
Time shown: **12:10:49**
